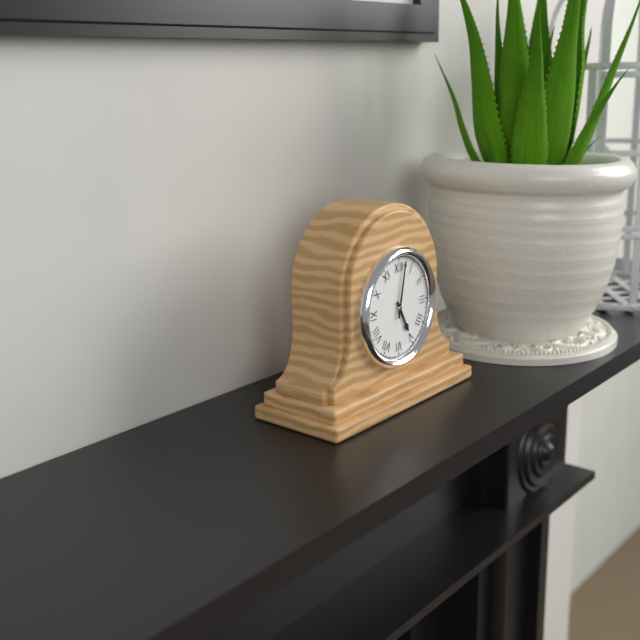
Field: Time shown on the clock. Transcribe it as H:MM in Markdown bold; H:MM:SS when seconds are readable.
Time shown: **5:02**
